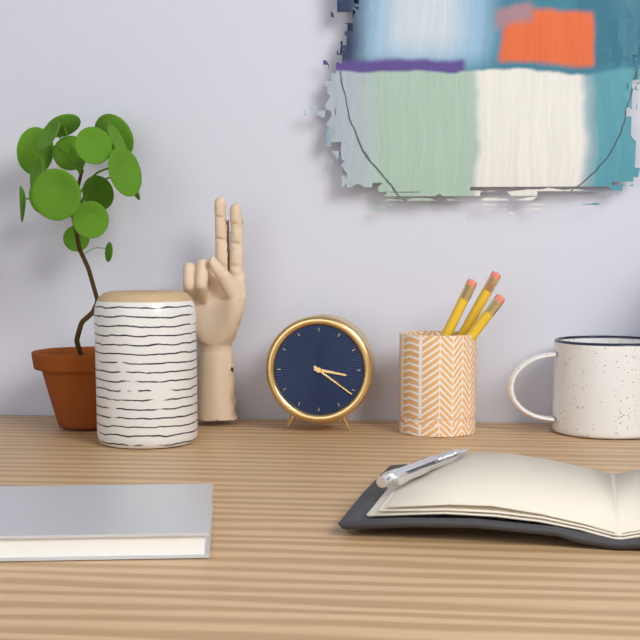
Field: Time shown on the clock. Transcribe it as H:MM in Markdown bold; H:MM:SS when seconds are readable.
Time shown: **3:21**
